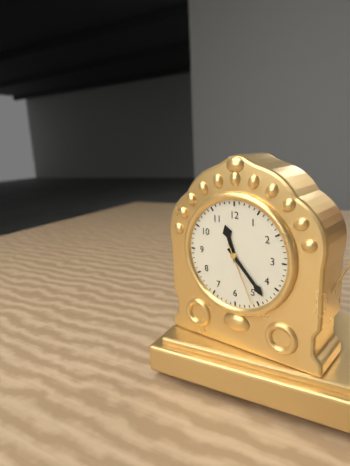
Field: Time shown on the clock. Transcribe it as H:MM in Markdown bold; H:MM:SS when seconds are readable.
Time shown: **11:23:26**
